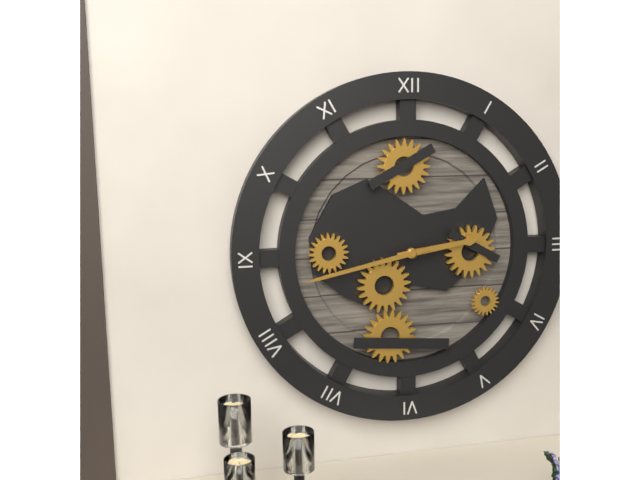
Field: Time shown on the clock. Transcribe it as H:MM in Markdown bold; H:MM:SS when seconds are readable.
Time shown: **2:43**
